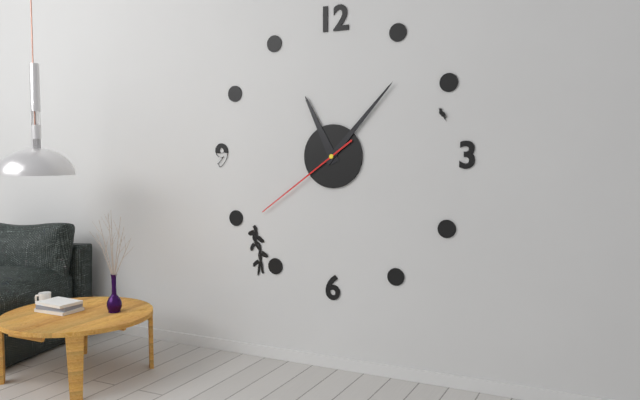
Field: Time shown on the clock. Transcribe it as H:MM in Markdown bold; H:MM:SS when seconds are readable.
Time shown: **11:07:39**
